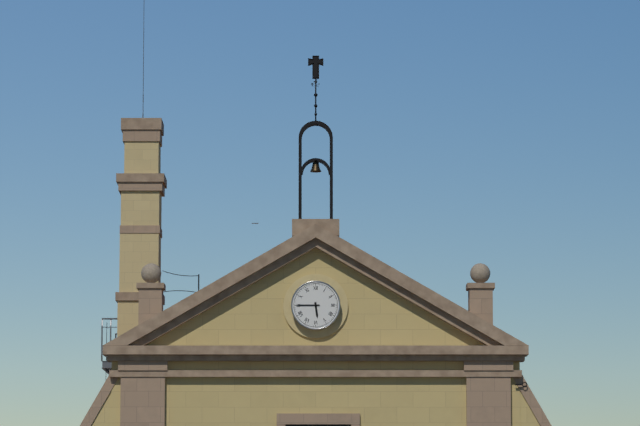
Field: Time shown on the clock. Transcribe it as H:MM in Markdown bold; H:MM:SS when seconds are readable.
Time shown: **5:45**
